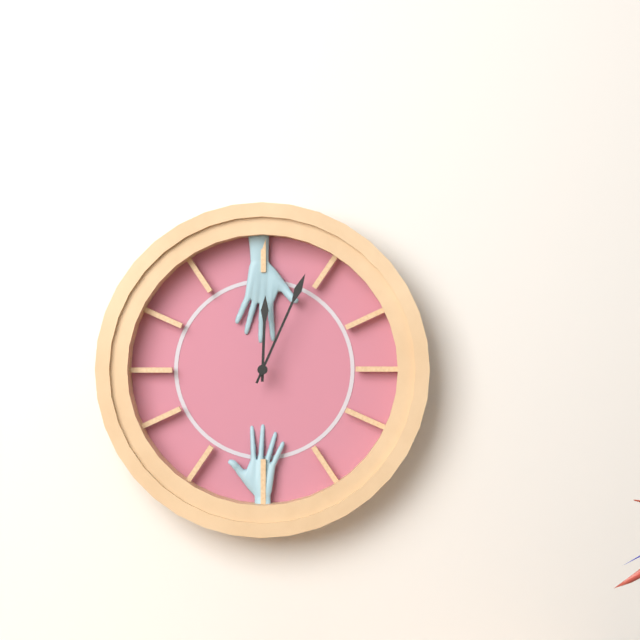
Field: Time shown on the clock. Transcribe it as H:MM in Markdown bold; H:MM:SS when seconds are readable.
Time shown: **12:04**
